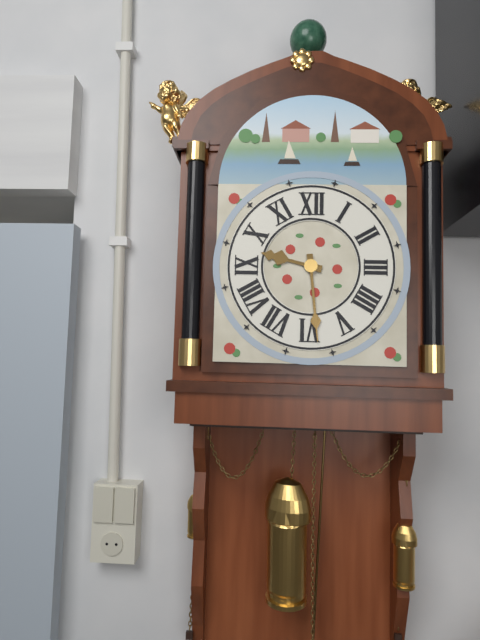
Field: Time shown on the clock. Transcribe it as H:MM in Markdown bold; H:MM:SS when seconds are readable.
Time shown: **9:29**
